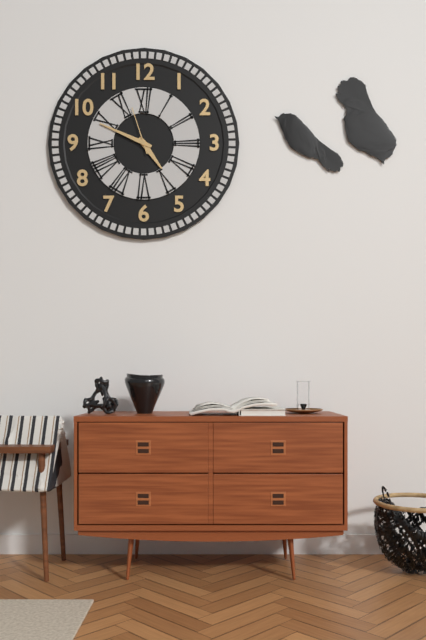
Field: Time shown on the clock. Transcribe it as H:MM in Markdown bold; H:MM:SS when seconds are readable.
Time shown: **4:49**
